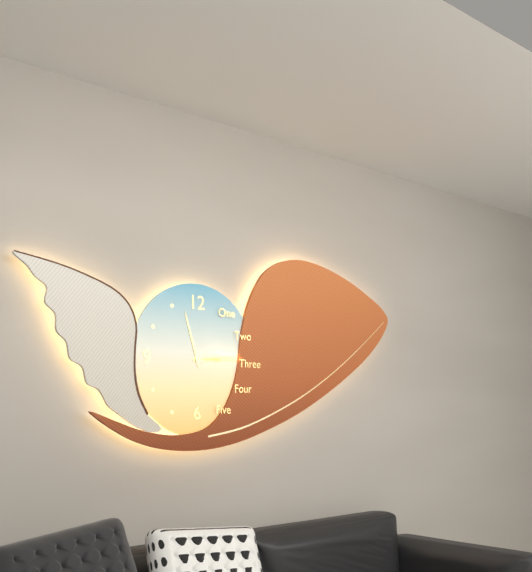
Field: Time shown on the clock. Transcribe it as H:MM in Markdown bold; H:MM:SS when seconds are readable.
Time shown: **2:57**
